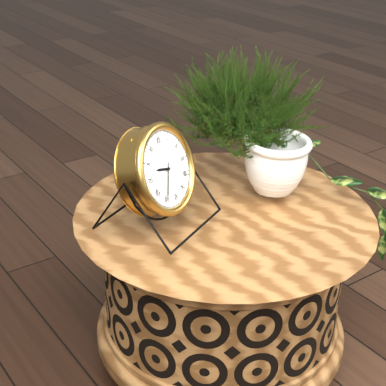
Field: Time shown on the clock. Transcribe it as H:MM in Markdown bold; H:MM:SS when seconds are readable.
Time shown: **9:35**
